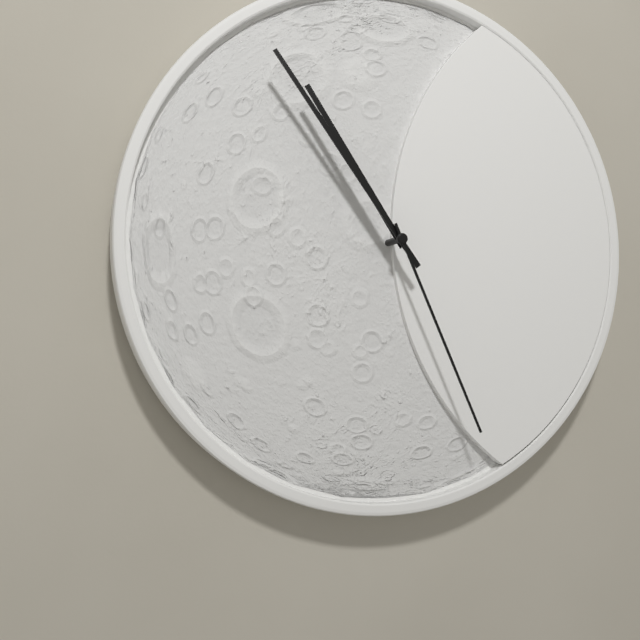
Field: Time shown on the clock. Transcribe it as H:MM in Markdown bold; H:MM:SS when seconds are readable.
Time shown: **10:54:26**
